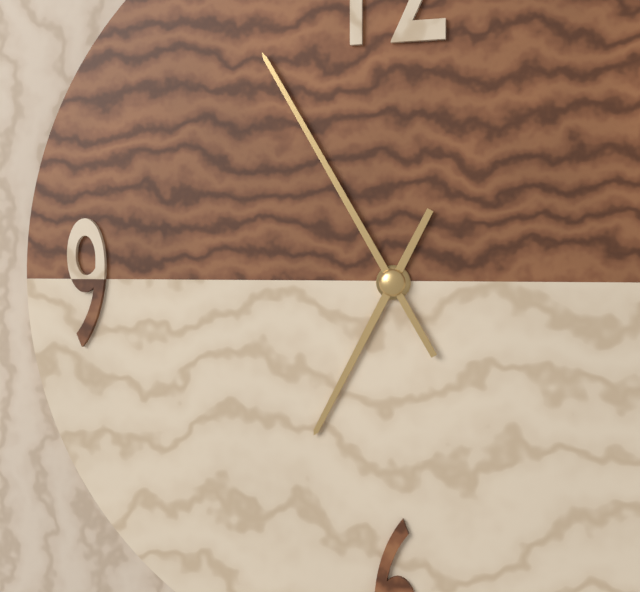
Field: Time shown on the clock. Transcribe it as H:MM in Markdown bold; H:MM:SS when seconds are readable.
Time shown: **6:55**
